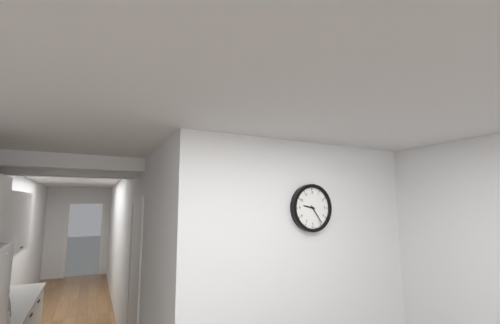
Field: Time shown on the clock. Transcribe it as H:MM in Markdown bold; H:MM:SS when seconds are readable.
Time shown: **9:24**
